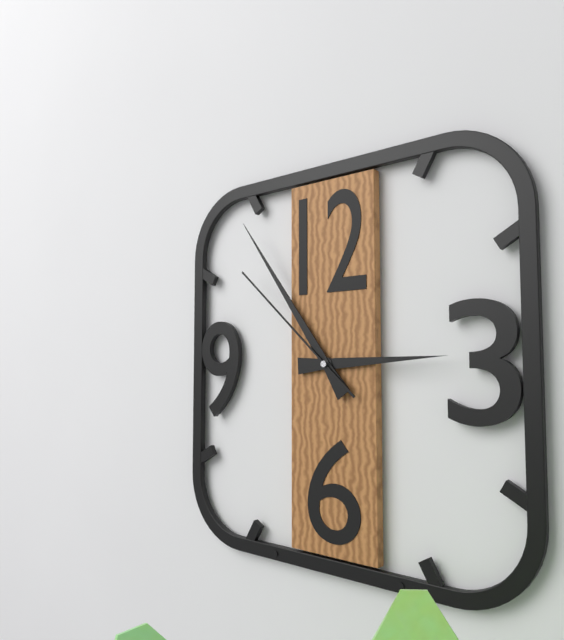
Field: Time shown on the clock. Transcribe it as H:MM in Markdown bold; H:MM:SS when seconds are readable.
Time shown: **2:54:52**
